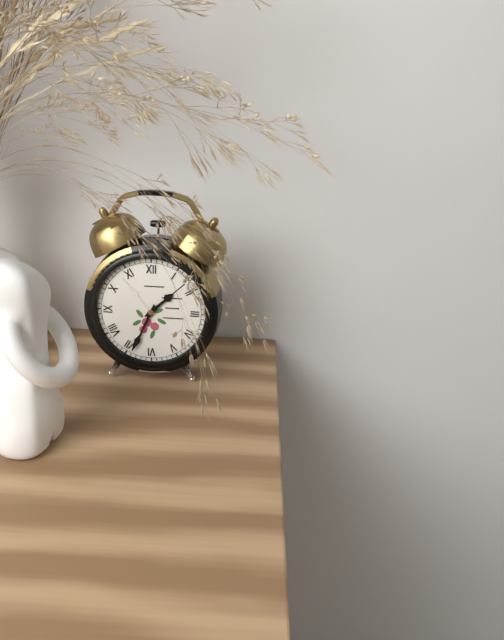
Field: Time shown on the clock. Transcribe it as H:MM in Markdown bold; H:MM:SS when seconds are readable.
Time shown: **1:34**
